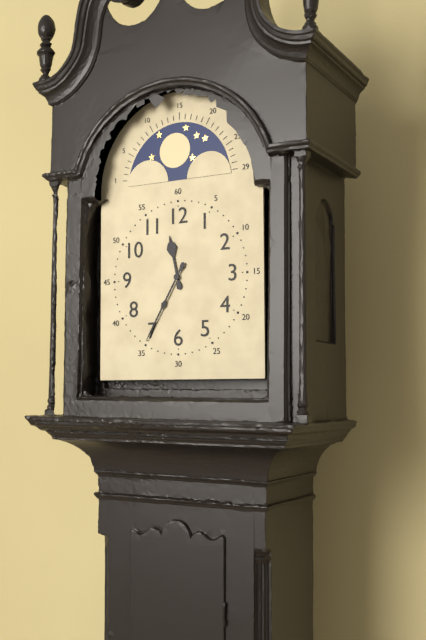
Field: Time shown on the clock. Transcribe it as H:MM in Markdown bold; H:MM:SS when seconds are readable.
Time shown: **11:35**
